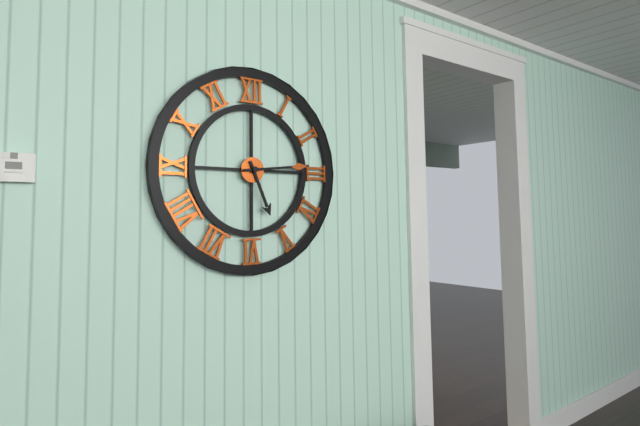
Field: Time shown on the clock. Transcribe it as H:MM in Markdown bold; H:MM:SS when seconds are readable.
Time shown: **5:14**
